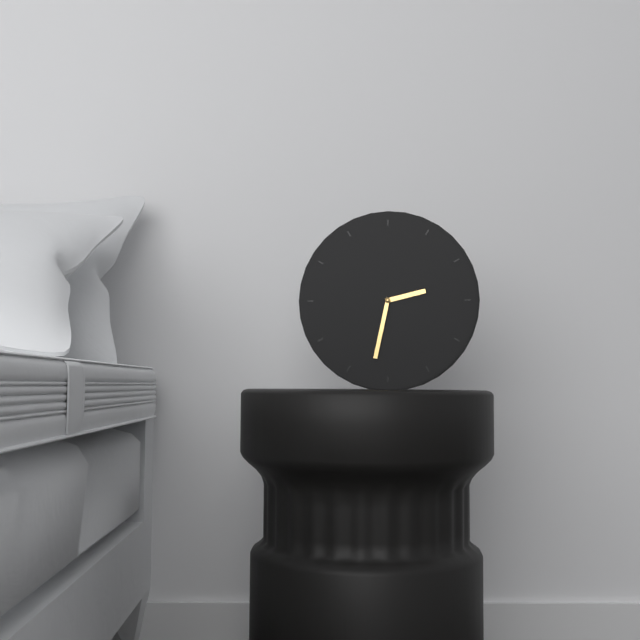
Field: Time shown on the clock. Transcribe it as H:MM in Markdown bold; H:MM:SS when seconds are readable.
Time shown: **2:32**
